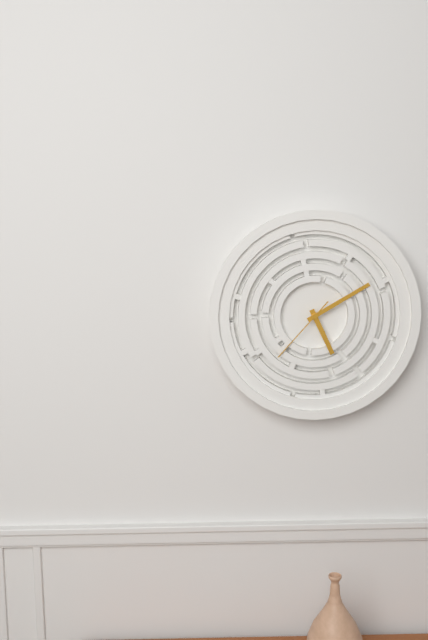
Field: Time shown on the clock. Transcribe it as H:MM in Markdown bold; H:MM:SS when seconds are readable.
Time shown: **5:10:37**
